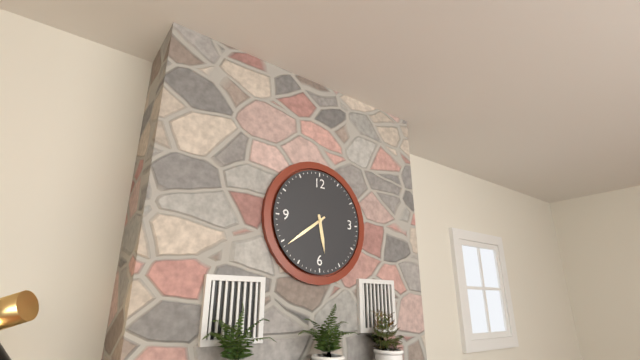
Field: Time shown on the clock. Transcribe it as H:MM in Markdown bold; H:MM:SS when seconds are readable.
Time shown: **5:39**
